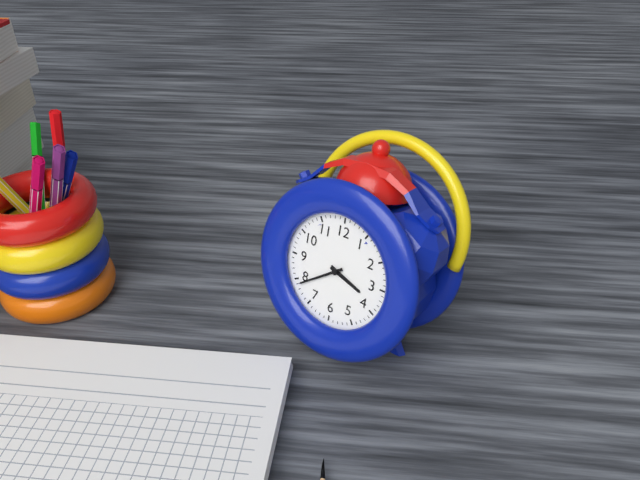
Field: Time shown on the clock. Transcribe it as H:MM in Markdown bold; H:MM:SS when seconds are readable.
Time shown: **3:39**
